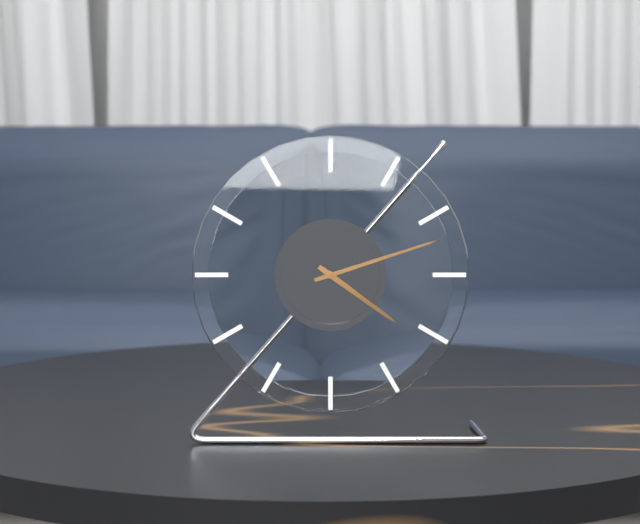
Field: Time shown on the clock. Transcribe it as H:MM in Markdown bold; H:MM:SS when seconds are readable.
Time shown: **4:12**
